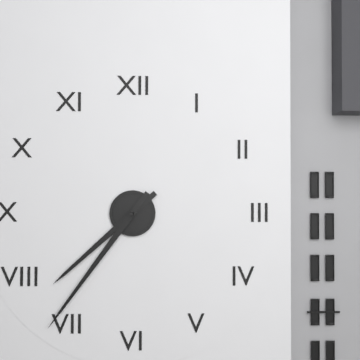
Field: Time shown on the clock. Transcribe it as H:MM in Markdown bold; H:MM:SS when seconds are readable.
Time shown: **7:36**
